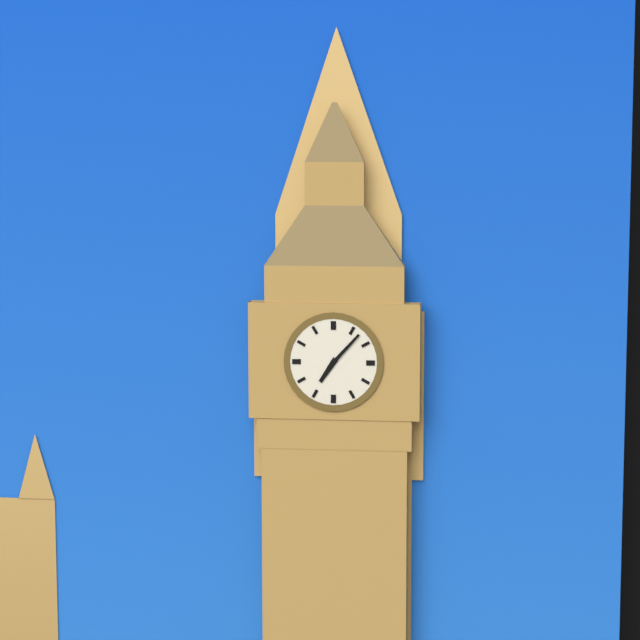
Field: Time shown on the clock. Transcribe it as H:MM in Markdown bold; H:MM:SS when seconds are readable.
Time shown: **7:07**
